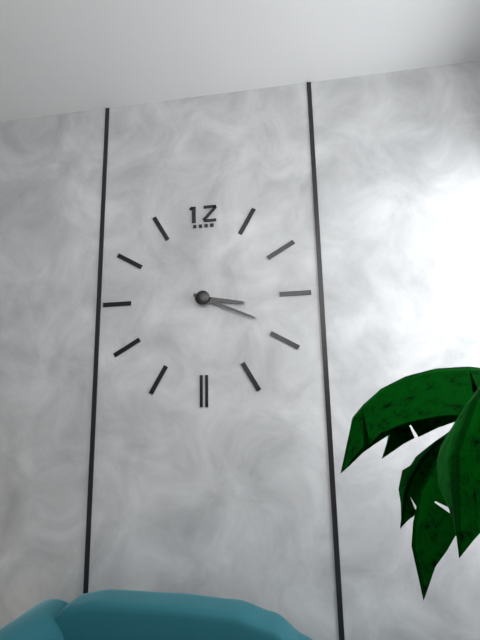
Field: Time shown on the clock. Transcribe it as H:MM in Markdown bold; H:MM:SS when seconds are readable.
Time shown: **3:19**
